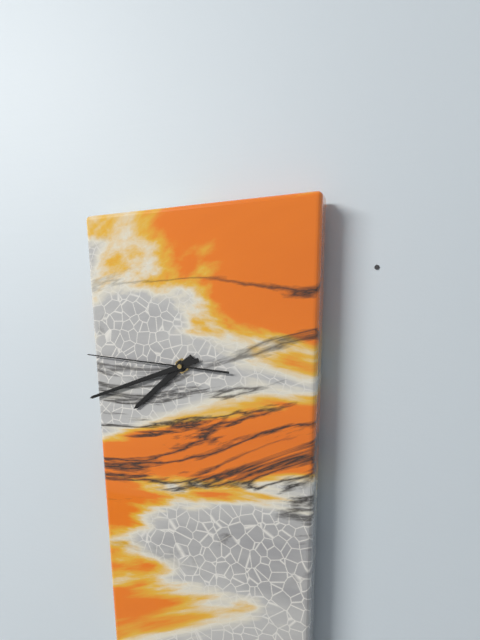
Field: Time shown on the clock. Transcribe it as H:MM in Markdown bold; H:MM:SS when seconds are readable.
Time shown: **7:42:46**
